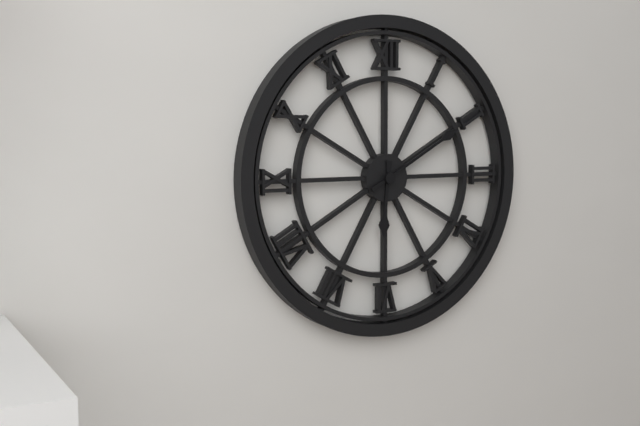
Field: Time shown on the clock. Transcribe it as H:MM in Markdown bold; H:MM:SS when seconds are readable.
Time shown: **6:10**
